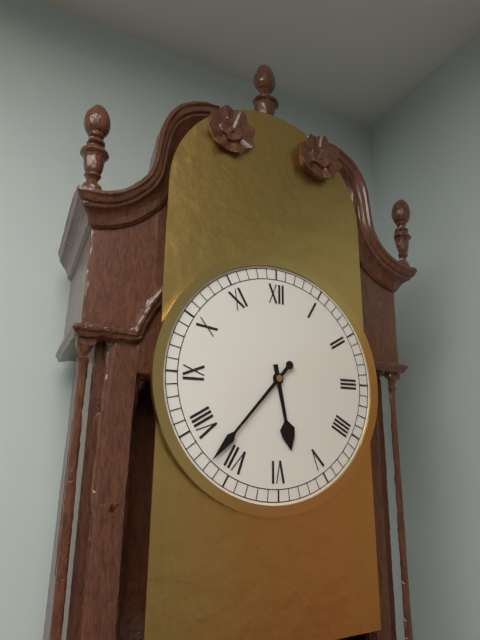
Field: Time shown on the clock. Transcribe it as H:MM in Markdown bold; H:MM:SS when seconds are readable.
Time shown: **5:37**
